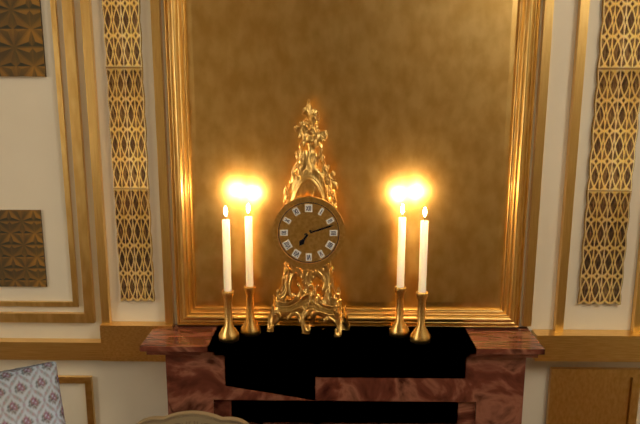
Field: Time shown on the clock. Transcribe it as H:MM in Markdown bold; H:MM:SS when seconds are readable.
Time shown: **7:12**
